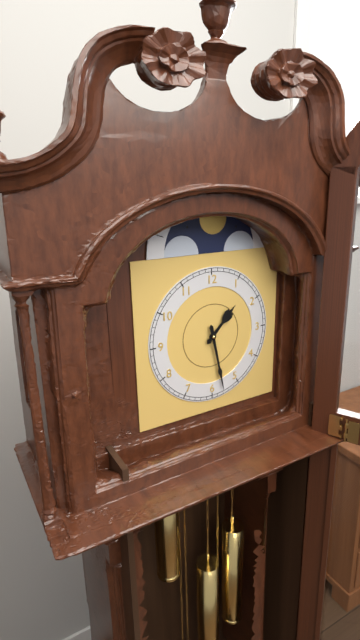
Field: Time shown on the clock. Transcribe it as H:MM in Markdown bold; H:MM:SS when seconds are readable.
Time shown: **1:28**
